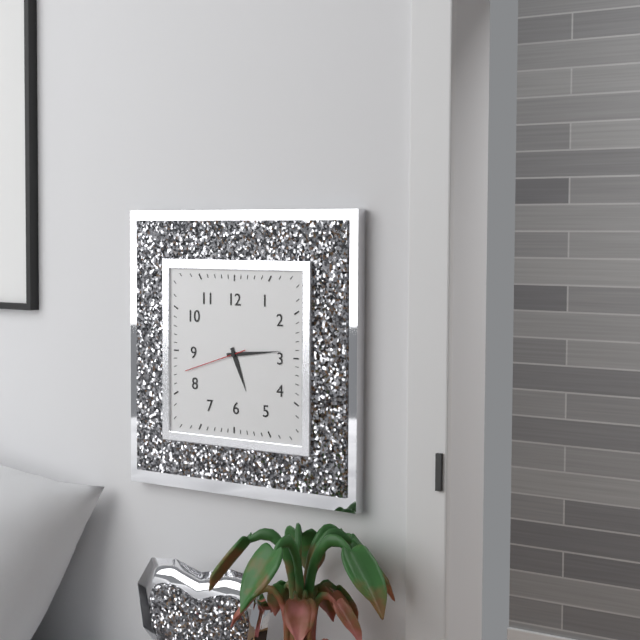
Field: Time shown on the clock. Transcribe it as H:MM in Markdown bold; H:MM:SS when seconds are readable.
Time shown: **5:14:42**
